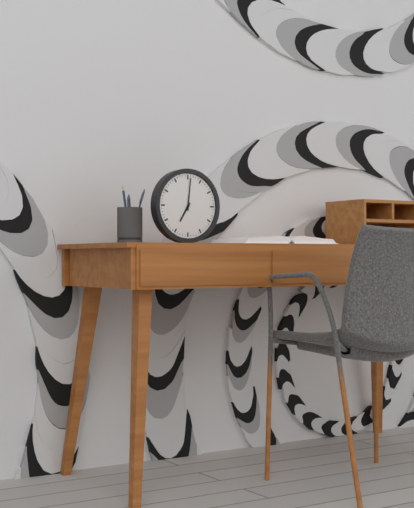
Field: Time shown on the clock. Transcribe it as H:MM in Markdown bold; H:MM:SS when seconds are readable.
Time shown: **7:01**
